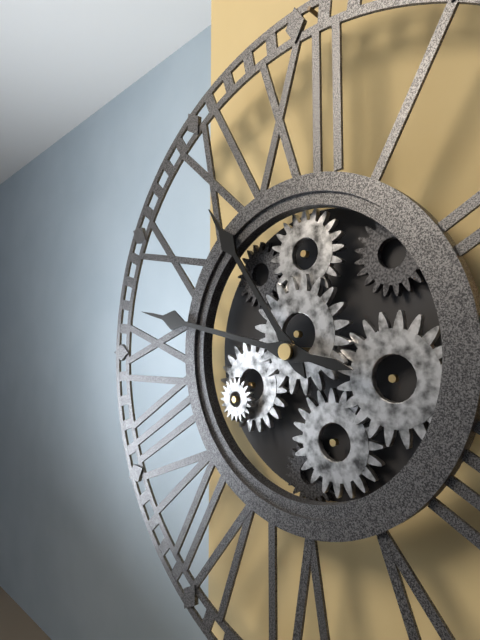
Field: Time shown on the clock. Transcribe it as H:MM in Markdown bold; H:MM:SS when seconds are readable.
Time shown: **10:47**
